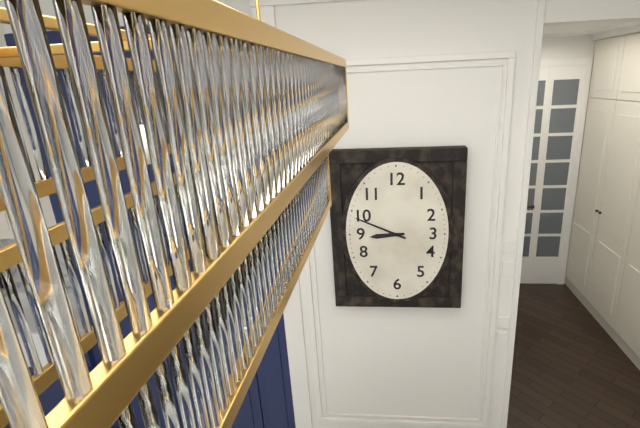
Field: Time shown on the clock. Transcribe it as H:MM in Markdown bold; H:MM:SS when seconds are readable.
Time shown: **8:49**
